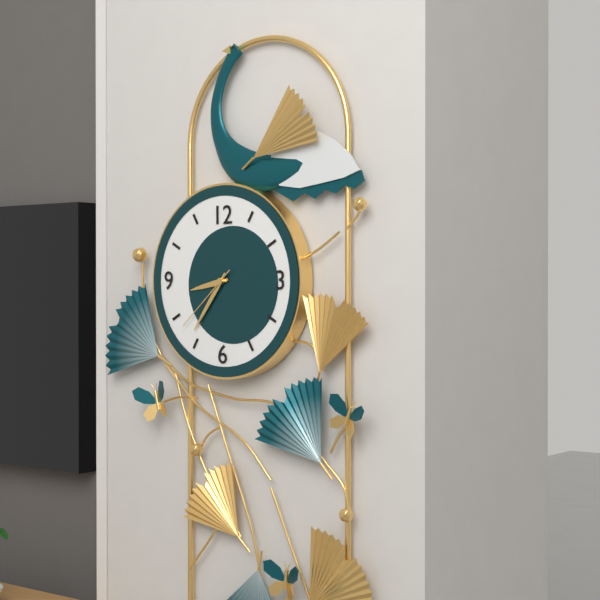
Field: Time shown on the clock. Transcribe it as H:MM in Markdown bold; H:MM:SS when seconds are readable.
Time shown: **8:36:38**
